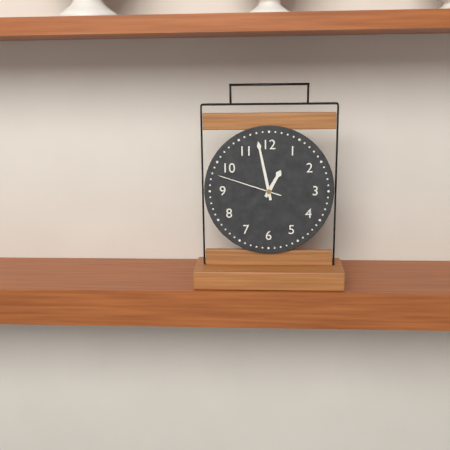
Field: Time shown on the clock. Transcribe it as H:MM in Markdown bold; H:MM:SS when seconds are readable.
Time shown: **12:58:48**
